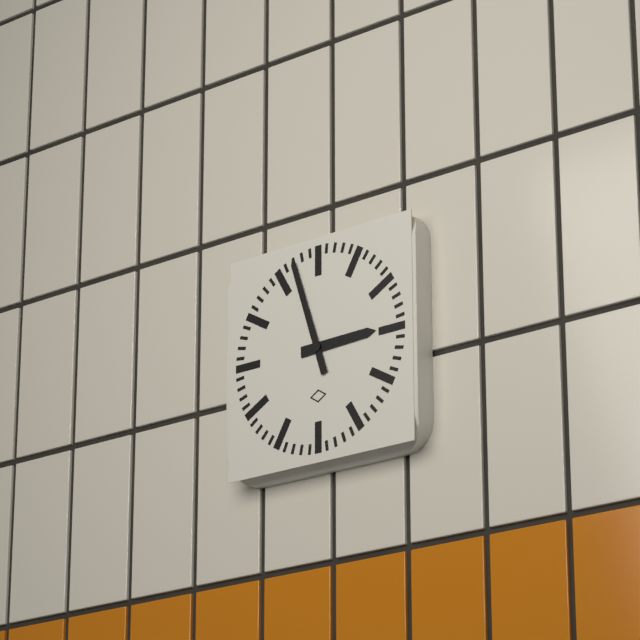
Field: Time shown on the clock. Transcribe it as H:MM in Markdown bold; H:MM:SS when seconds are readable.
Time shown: **2:57**
